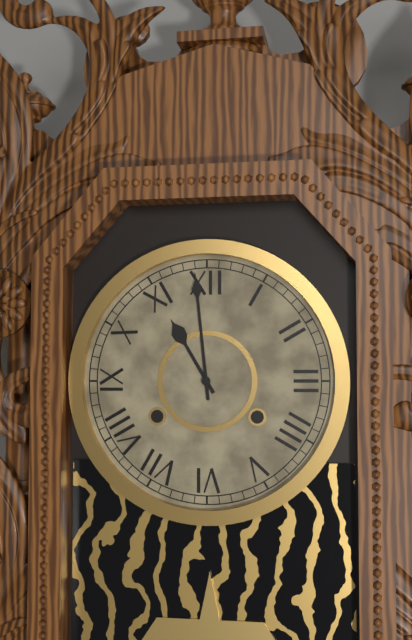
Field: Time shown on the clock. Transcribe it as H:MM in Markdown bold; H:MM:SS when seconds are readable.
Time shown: **10:59**
